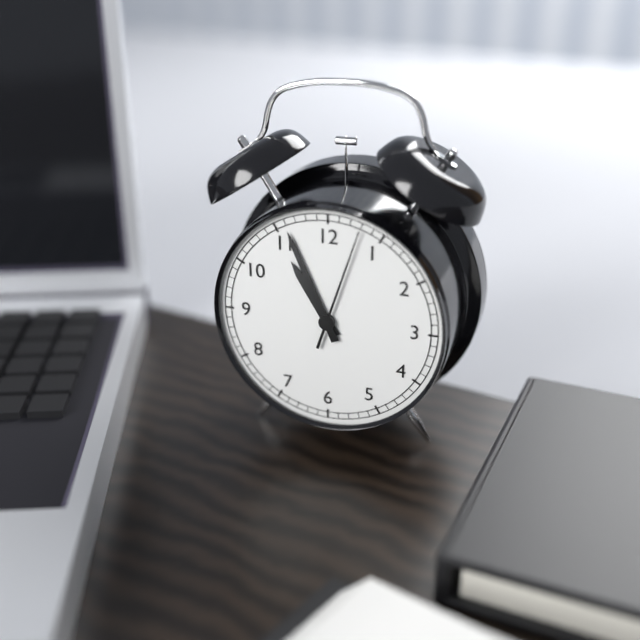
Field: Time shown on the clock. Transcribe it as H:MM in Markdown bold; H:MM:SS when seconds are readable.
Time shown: **10:56:03**
